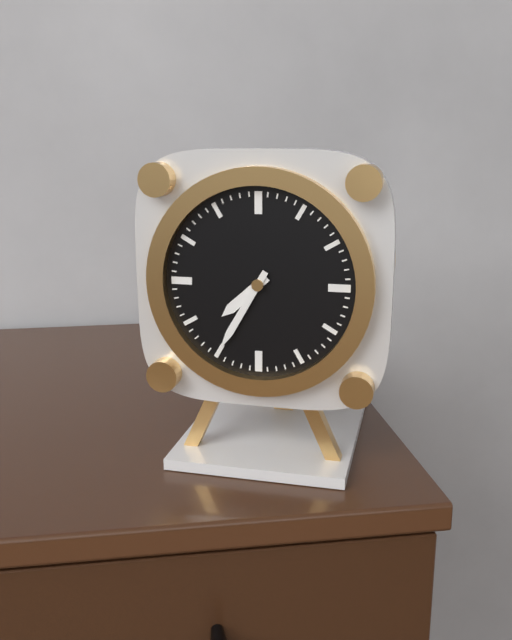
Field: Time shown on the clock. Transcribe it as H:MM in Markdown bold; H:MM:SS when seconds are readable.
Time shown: **7:35**
